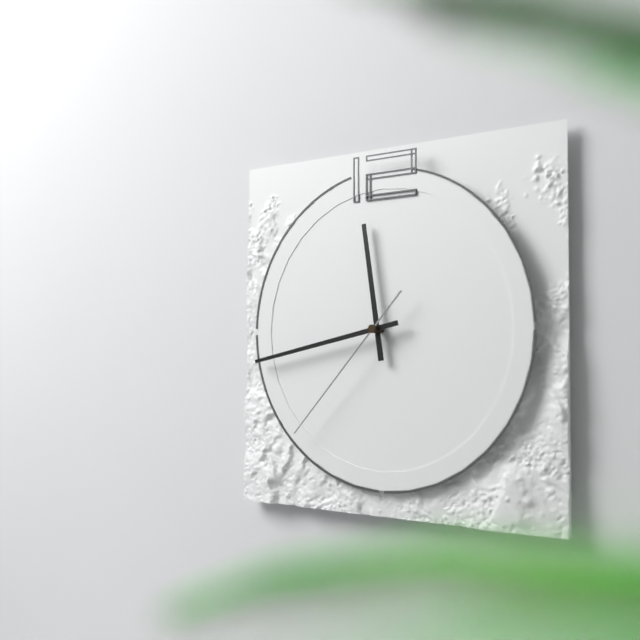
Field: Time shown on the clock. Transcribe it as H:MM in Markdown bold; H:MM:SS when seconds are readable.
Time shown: **11:43:37**
